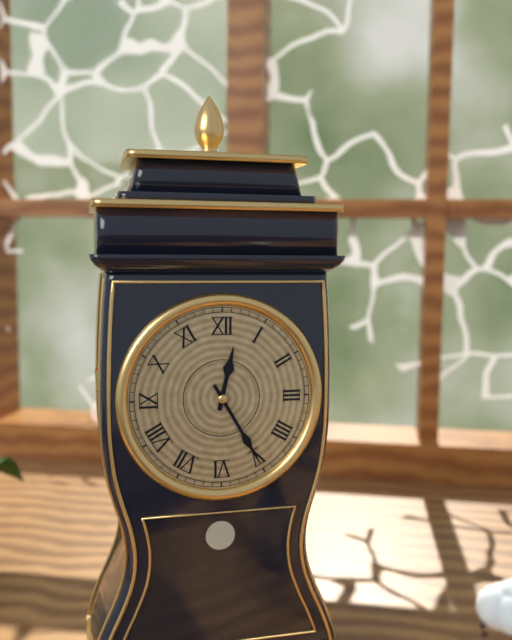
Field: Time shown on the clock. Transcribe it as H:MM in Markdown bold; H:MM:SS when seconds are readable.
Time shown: **12:25**
